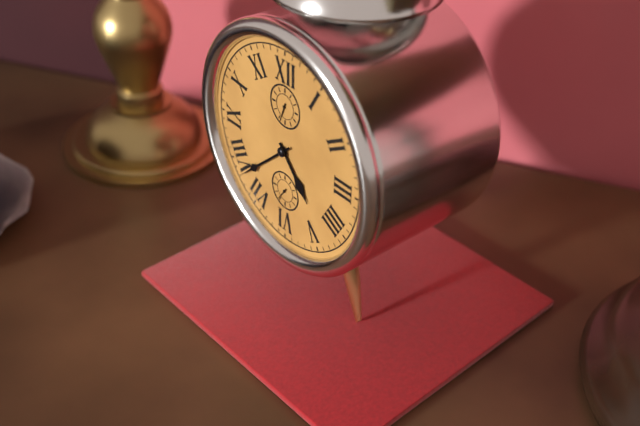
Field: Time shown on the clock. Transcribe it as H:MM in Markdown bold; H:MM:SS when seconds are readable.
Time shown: **4:38**
